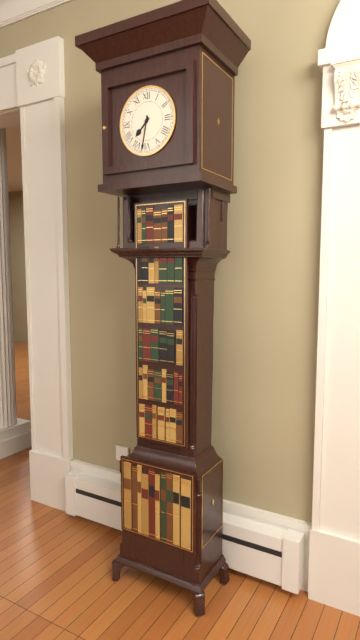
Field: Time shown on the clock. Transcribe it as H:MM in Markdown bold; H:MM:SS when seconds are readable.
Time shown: **7:32**
